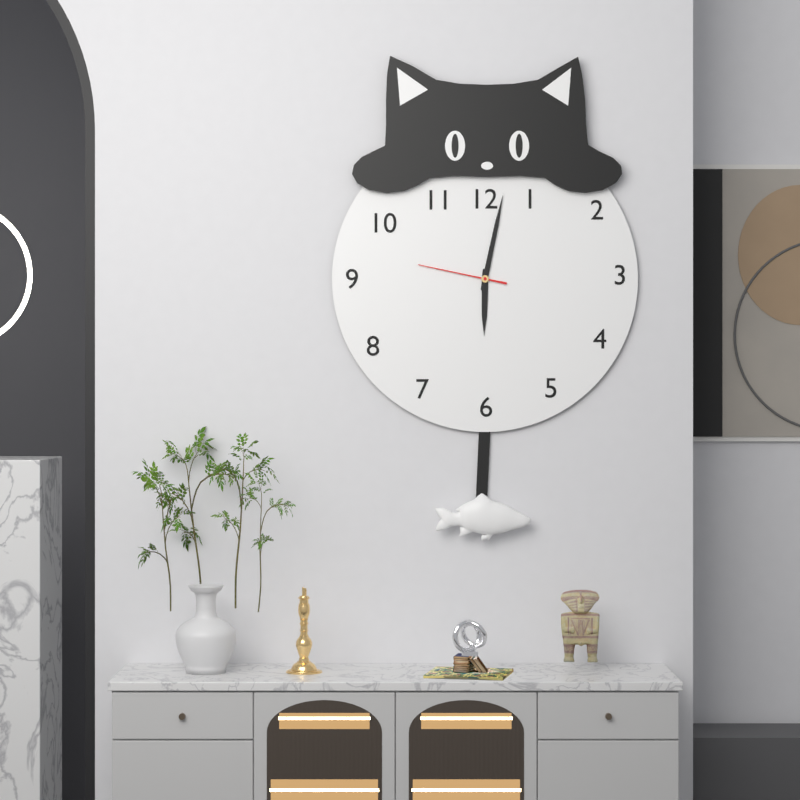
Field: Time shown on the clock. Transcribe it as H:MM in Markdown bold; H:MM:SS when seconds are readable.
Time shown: **6:02:47**
